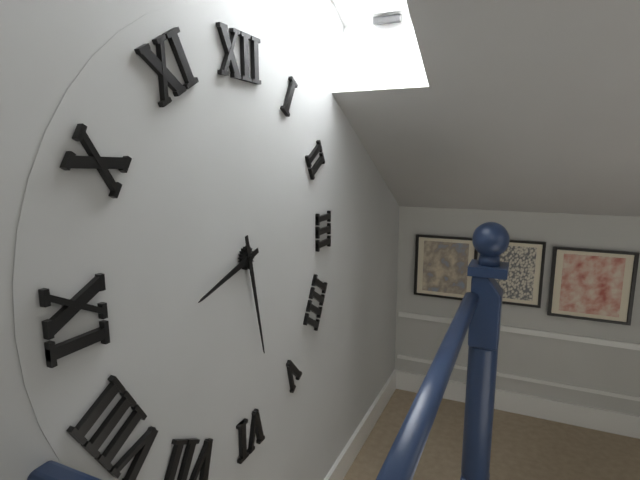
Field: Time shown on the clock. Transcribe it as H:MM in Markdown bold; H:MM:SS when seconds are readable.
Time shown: **8:28**
